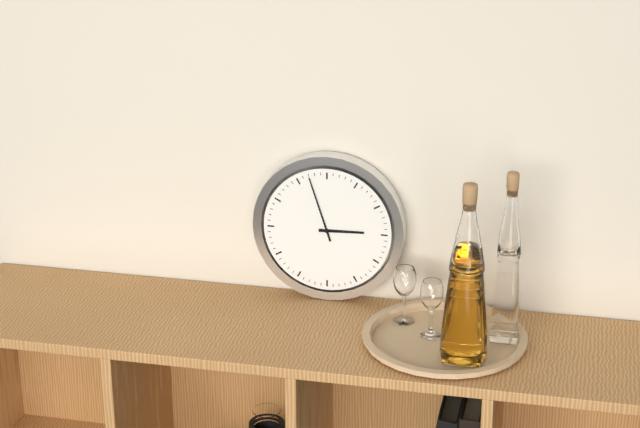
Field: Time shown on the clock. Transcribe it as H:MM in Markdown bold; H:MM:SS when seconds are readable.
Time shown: **2:57**
